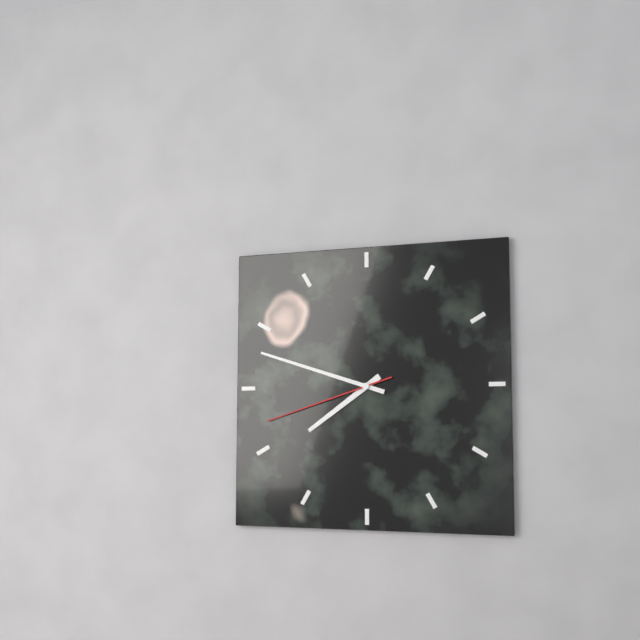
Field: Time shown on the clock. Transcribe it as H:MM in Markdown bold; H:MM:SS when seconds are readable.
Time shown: **7:48:42**
